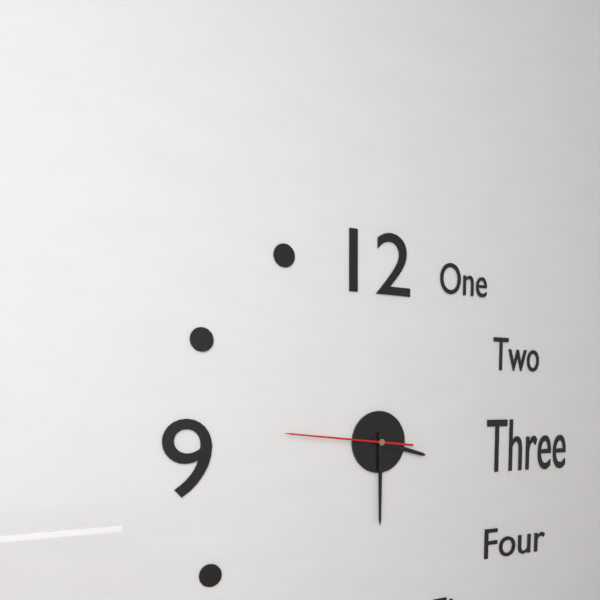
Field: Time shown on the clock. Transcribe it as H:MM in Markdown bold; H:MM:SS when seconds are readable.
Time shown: **3:30:46**
